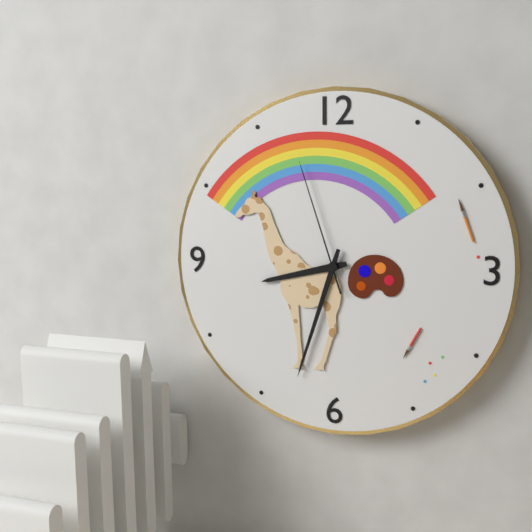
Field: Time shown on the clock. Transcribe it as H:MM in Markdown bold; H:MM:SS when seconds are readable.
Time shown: **8:33:57**
